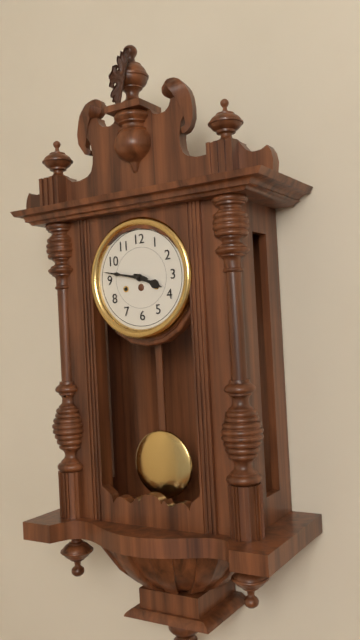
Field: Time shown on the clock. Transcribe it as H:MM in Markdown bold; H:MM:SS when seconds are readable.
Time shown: **3:47**
